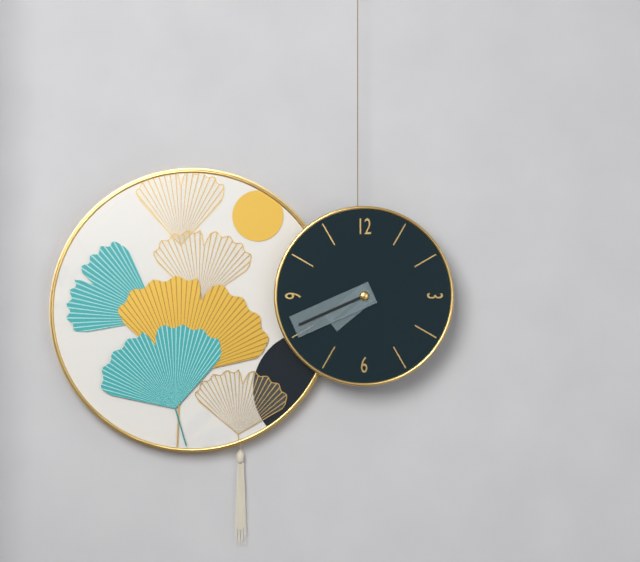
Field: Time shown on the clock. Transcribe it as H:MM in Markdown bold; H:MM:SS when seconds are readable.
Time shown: **7:41**
